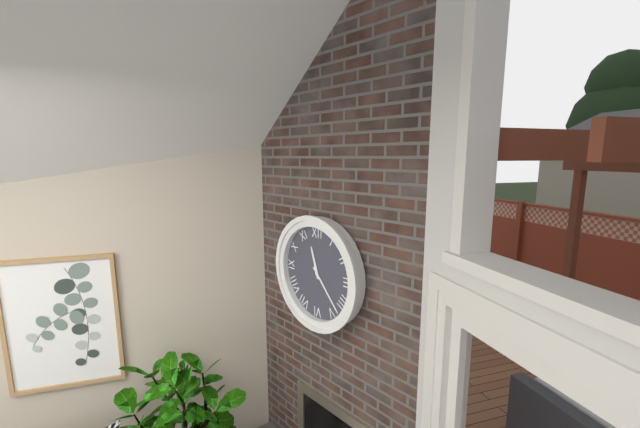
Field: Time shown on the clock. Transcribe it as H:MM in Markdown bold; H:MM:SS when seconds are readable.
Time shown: **11:23**
